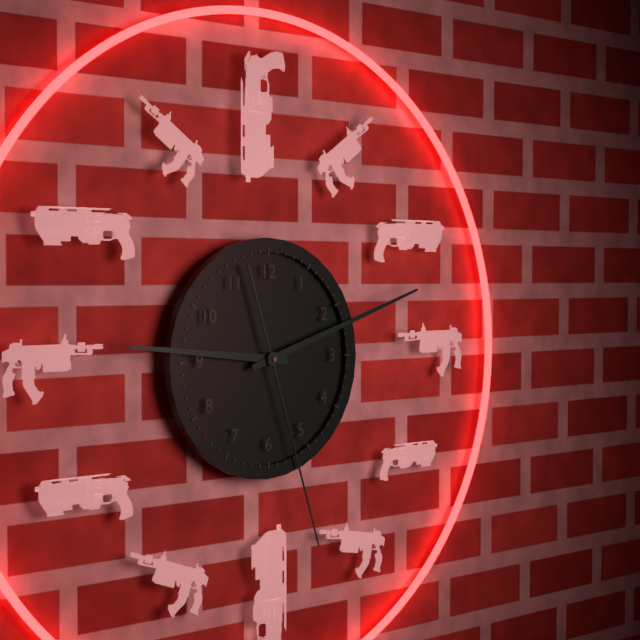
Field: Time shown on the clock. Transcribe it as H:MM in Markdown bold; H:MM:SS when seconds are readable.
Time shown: **9:12:27**
